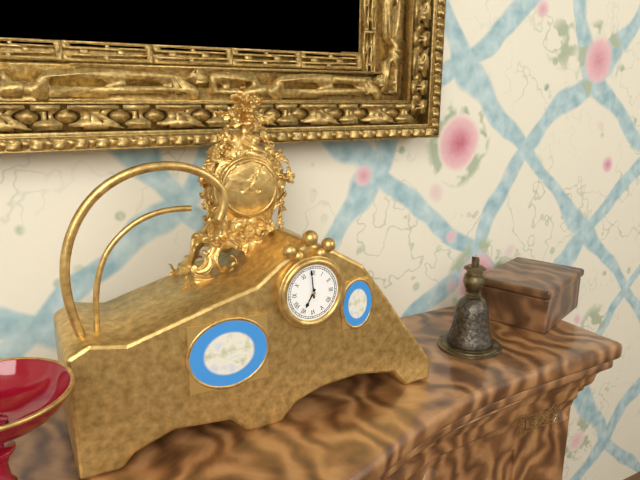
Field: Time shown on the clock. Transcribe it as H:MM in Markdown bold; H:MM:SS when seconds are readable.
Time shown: **6:59**
